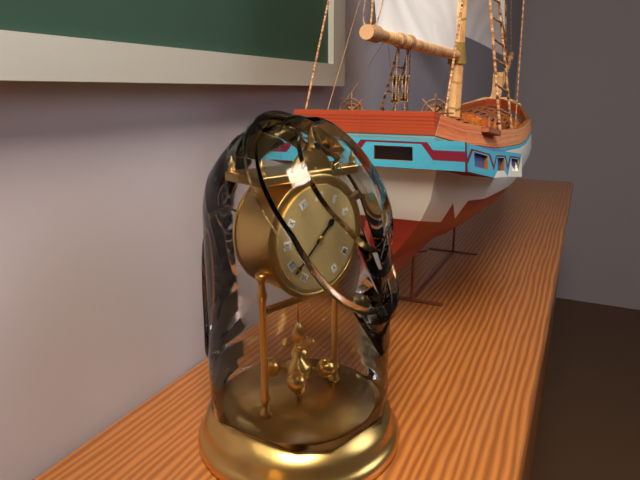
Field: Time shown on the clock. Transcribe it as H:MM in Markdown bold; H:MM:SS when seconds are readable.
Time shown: **1:38**
